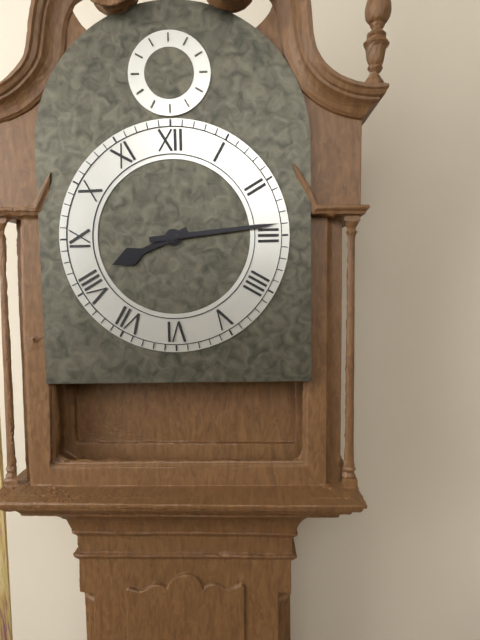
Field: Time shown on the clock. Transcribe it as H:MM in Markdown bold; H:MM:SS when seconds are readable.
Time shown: **8:14**
